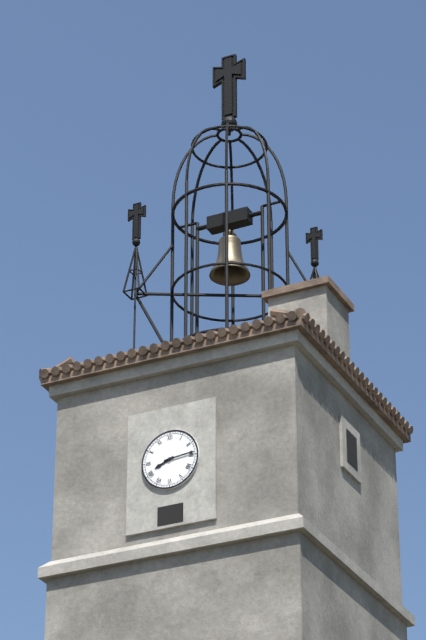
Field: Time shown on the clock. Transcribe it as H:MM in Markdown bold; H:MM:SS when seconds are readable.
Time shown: **8:14**
